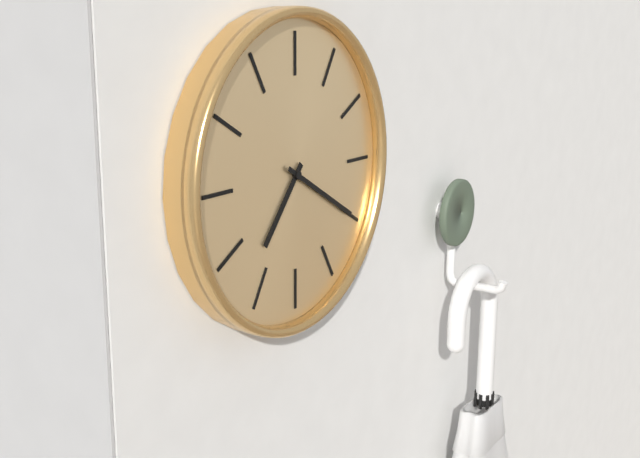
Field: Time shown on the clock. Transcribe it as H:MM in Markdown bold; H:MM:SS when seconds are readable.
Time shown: **7:20**
